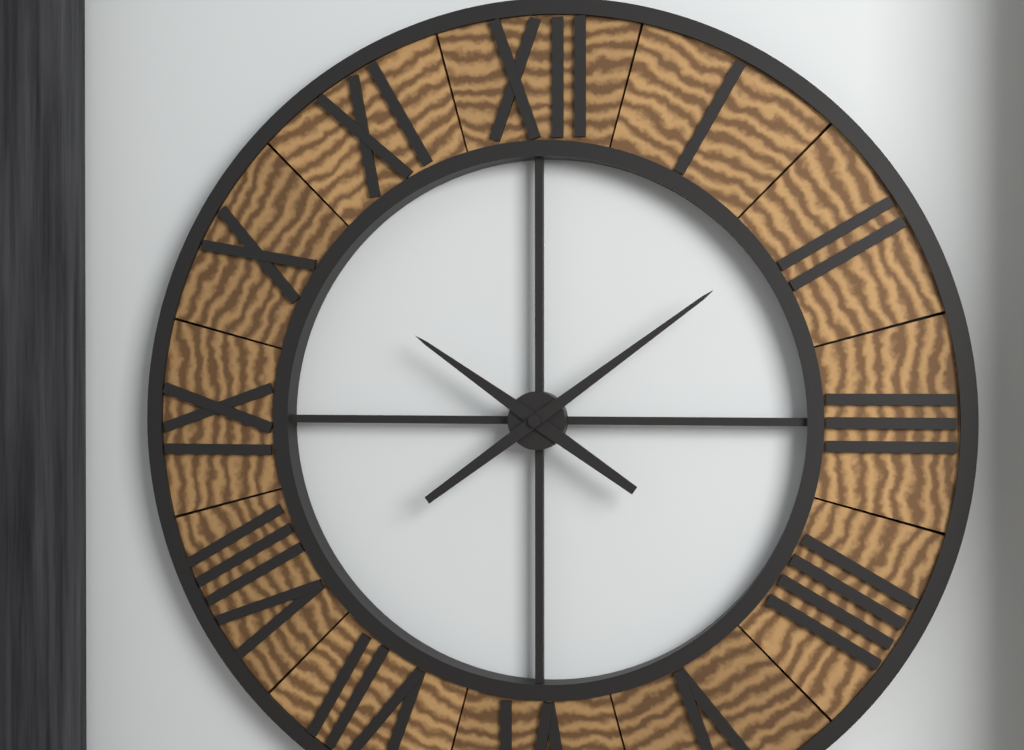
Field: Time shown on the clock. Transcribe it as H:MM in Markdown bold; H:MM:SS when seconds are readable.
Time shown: **10:09**
